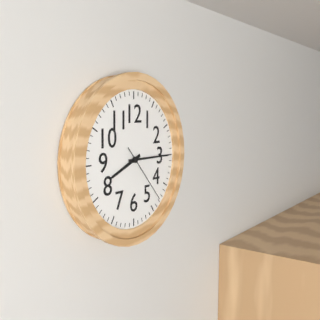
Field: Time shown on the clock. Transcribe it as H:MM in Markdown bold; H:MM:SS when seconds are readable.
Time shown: **8:15:23**
